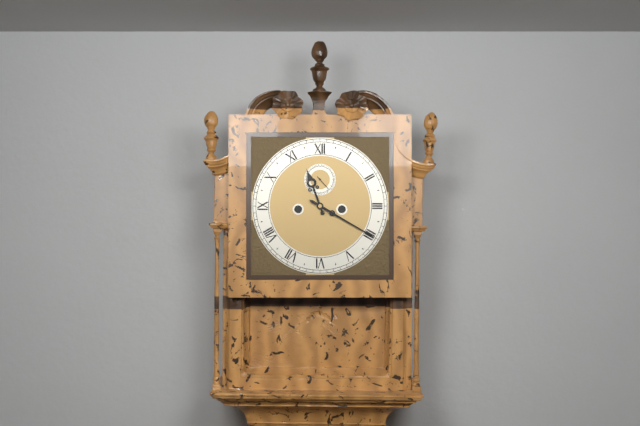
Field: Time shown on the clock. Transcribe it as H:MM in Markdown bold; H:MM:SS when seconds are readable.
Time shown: **11:20**
